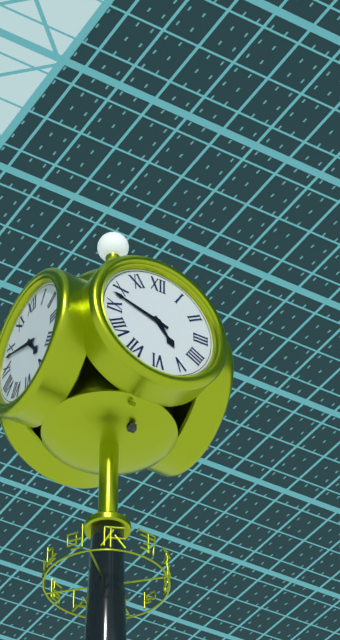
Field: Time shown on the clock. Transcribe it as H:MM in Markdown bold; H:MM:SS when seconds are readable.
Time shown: **4:48**
